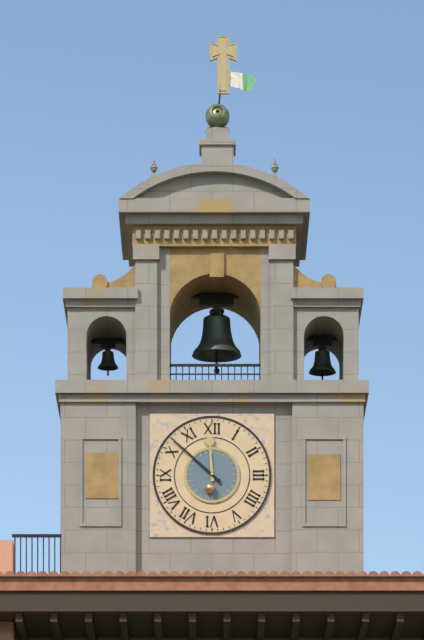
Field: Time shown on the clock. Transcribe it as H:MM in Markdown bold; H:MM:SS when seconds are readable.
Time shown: **11:52**
